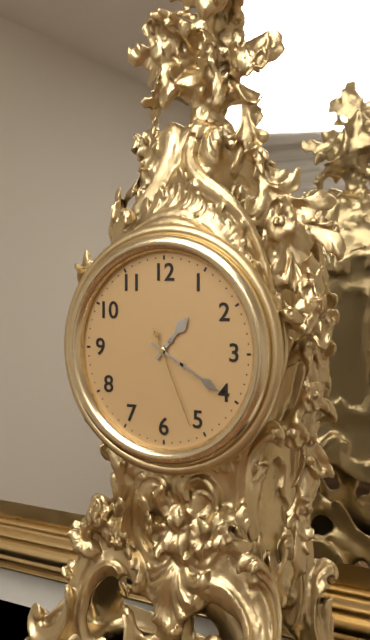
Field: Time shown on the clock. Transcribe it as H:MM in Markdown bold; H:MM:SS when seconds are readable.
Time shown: **1:20:26**
